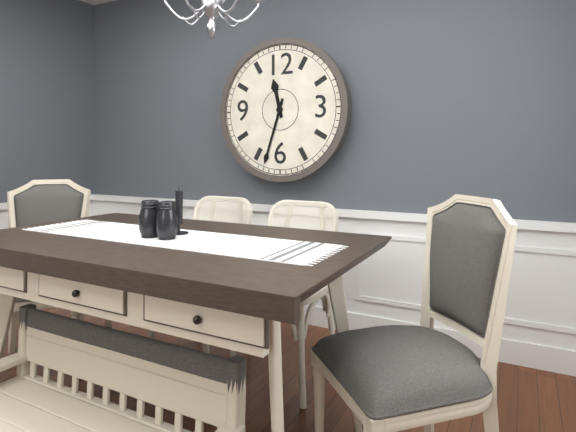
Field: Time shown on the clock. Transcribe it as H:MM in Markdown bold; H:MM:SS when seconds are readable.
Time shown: **11:33**
